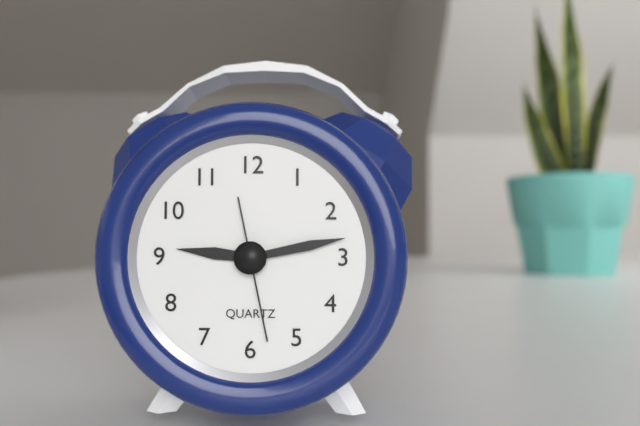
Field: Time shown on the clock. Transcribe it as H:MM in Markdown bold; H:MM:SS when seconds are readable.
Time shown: **9:13:28**
